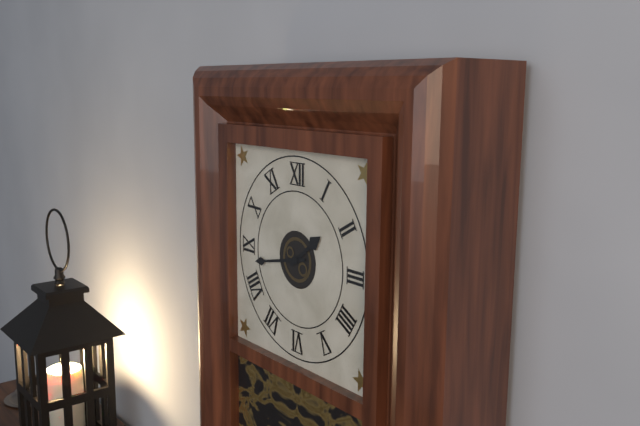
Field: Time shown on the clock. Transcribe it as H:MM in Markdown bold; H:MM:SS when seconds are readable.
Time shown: **1:43**
